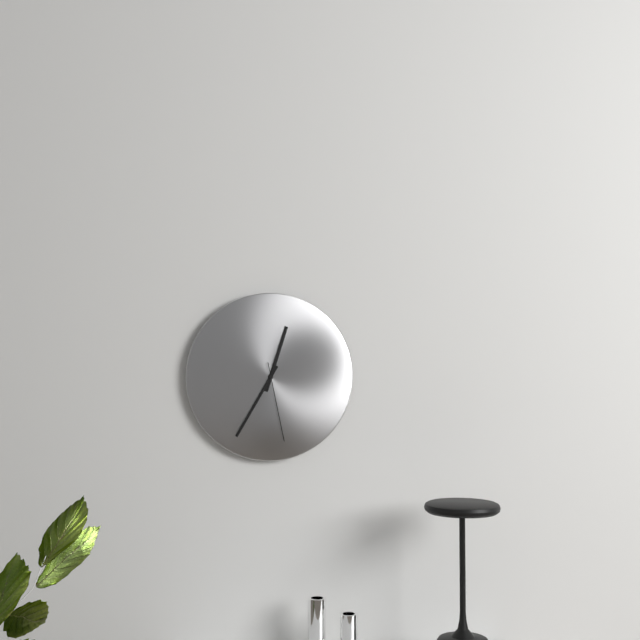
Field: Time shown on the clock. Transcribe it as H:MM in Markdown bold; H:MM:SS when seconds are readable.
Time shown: **12:35:28**
